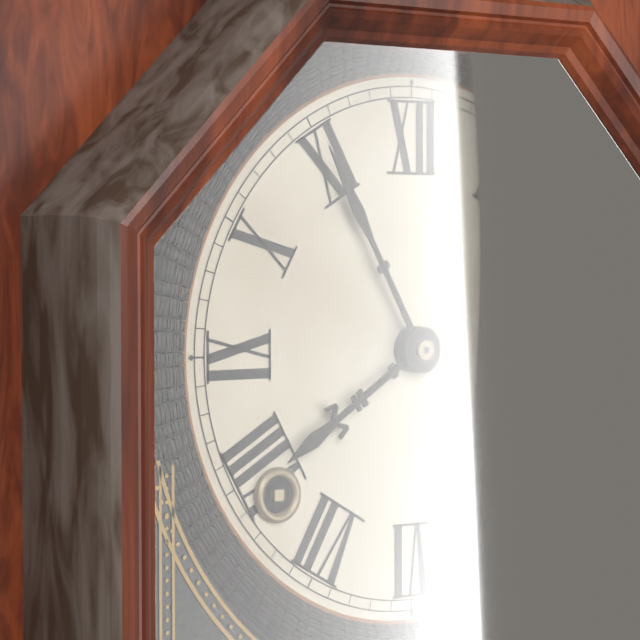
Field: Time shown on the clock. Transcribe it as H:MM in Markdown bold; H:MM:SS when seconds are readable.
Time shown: **7:55**
